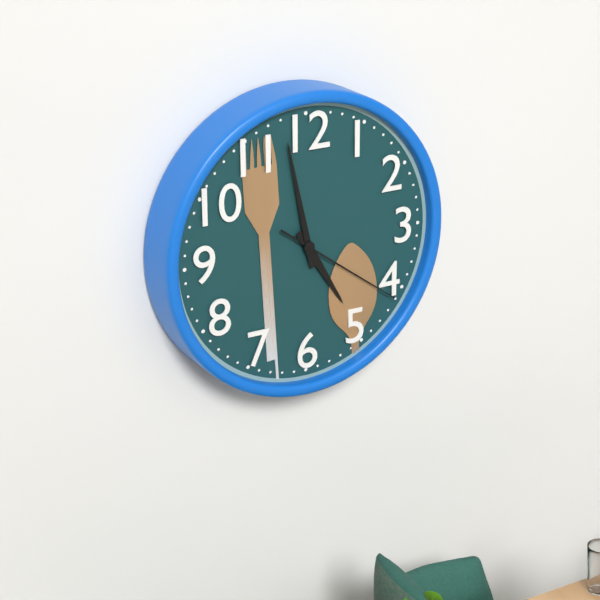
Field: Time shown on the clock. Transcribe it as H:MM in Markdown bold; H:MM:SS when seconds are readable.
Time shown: **4:58:21**
